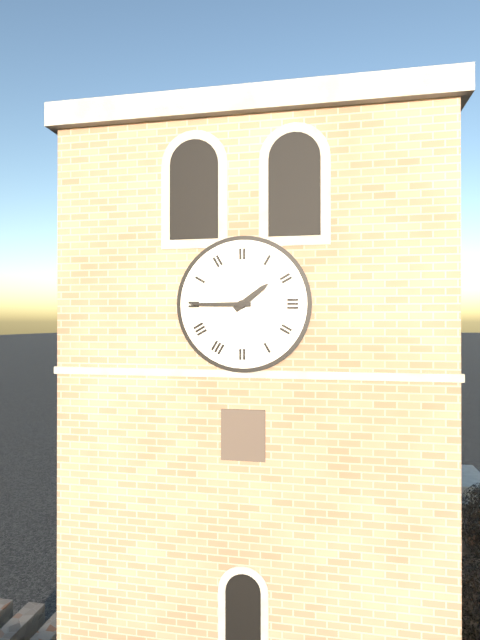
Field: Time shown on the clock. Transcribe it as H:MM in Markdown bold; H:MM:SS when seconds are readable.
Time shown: **1:45**
